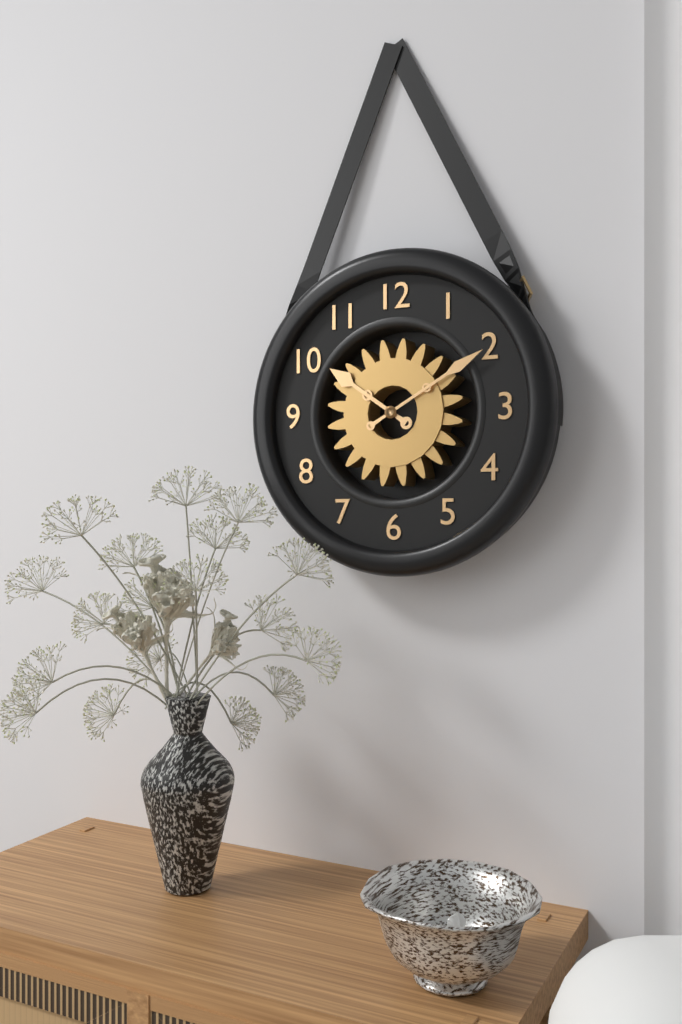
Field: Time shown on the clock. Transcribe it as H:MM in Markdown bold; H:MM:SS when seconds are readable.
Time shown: **10:10**
